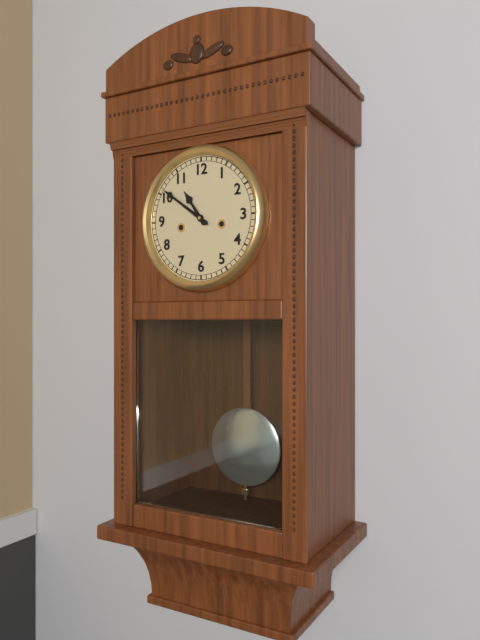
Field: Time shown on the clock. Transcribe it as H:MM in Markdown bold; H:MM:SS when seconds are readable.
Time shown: **10:51**
